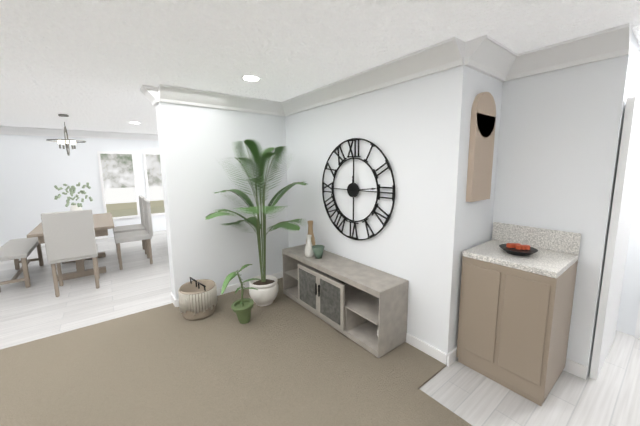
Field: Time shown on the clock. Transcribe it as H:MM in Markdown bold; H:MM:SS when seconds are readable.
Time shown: **12:14**
